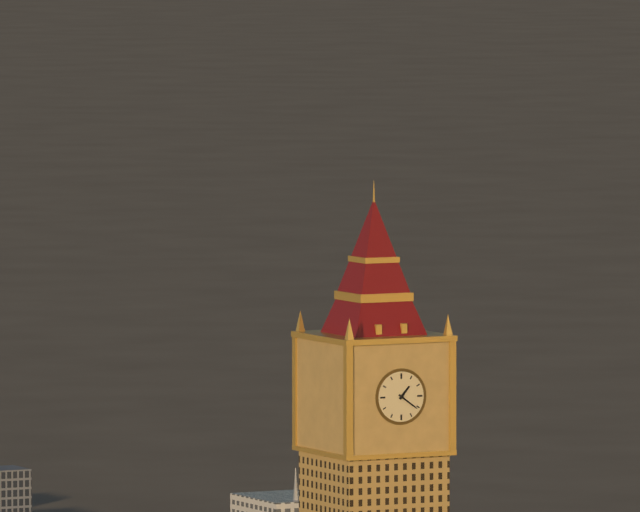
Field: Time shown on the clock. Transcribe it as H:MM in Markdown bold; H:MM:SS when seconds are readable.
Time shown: **1:21**
